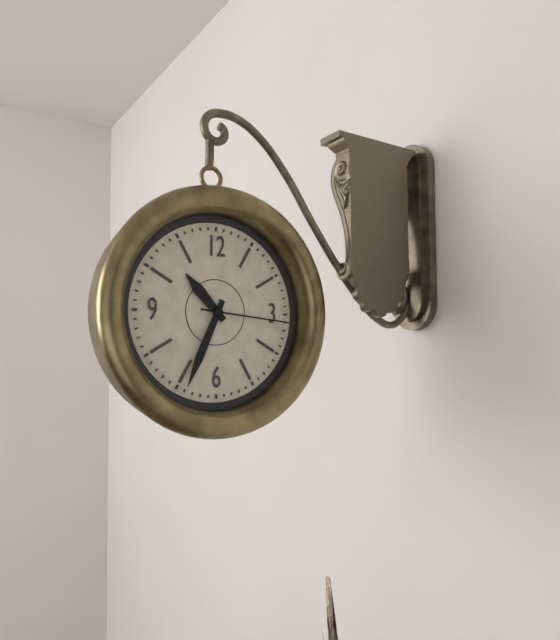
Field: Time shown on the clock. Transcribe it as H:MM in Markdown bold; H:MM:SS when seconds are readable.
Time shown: **10:34:16**
